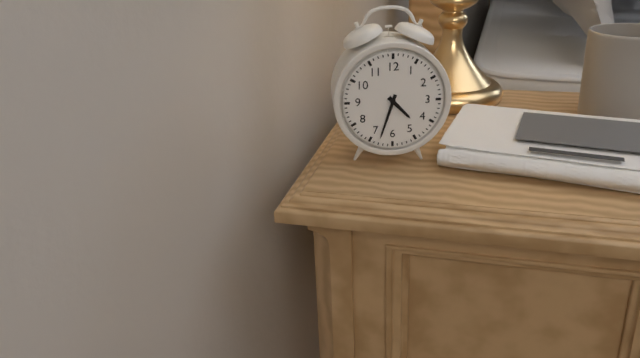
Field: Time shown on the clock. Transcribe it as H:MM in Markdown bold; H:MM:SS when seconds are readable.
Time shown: **4:33**
